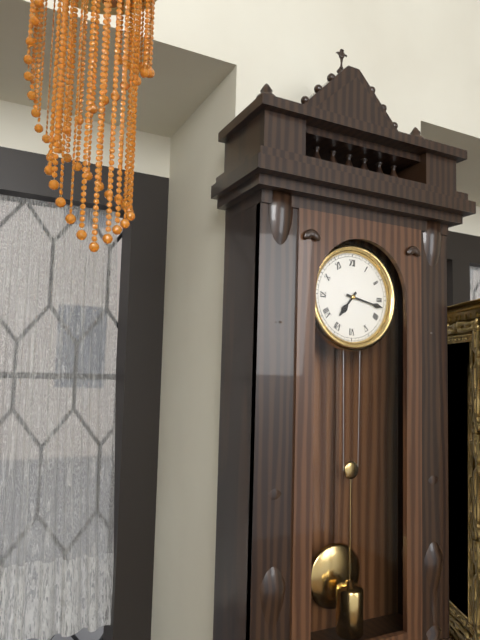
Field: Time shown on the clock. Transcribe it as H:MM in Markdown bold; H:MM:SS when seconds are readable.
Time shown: **7:17**
